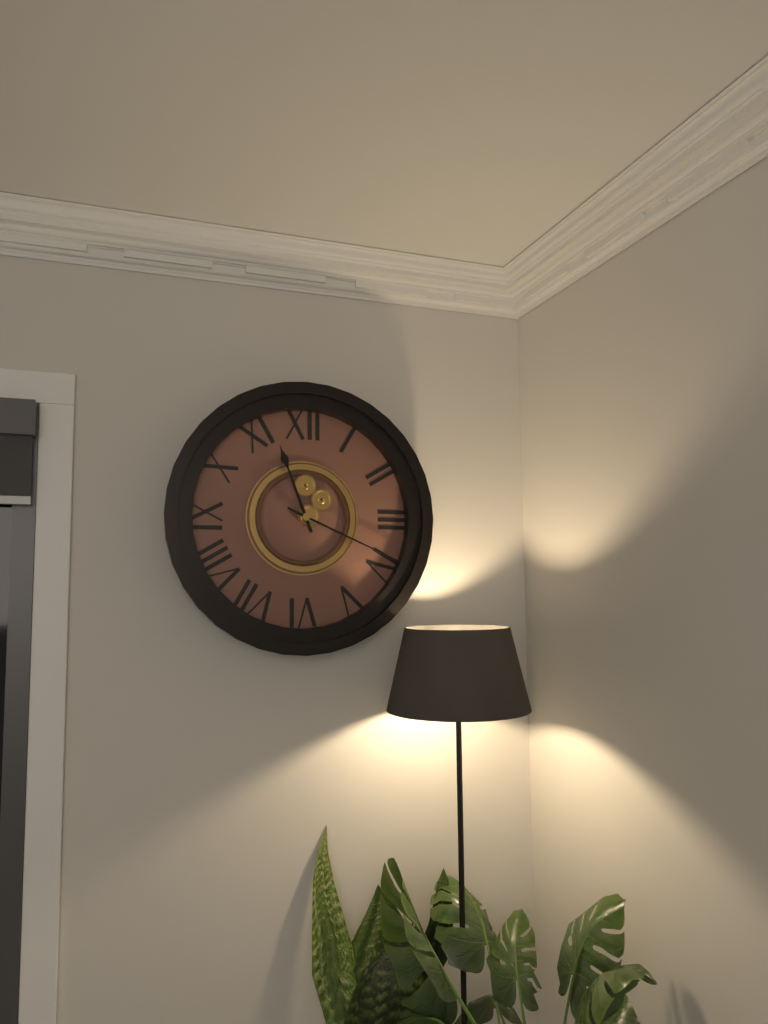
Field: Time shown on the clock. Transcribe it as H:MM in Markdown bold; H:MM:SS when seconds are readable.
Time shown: **11:19**
